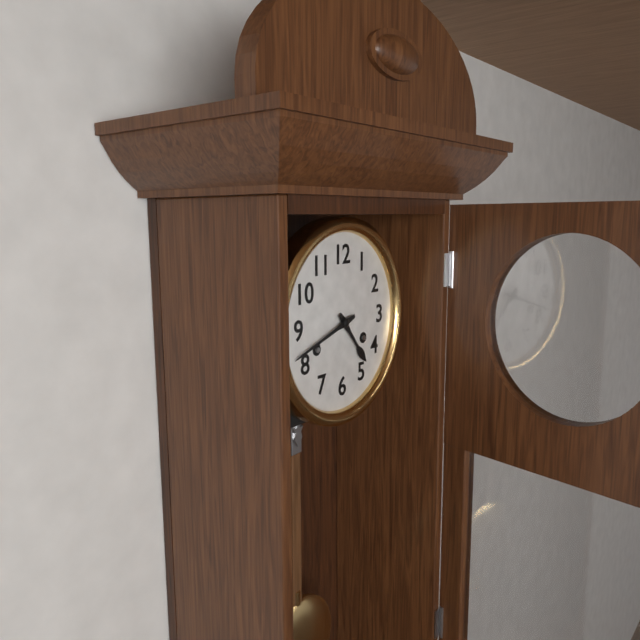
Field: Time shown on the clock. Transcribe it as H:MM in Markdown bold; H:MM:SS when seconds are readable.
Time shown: **4:42**
